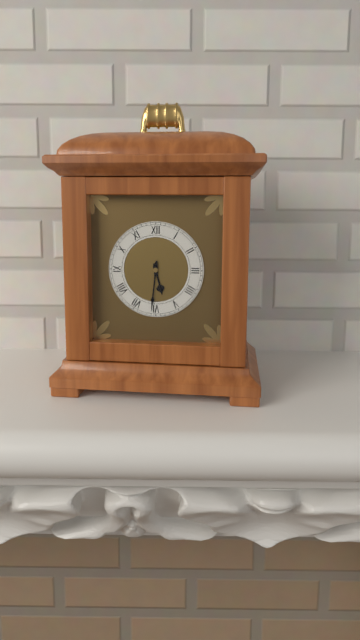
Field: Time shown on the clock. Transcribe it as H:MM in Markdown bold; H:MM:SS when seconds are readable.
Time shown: **5:31**
